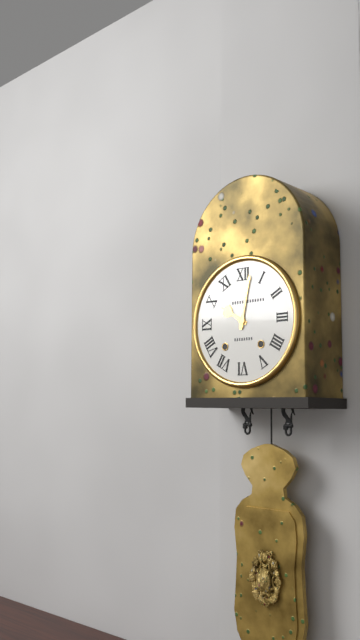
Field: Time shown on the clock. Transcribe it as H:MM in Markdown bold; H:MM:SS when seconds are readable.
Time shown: **10:02**
